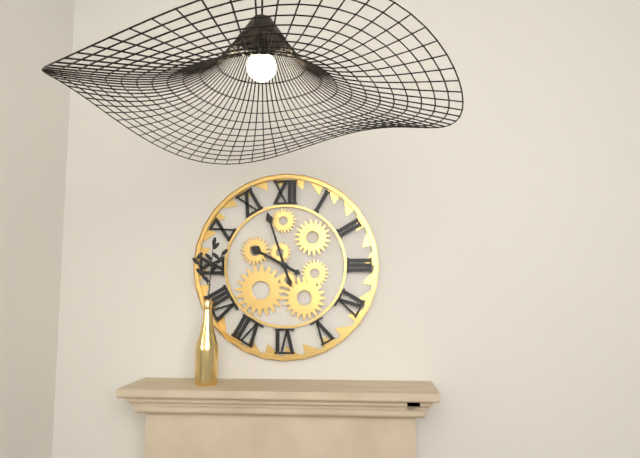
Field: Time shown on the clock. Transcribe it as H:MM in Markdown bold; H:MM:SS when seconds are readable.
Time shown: **9:57**
